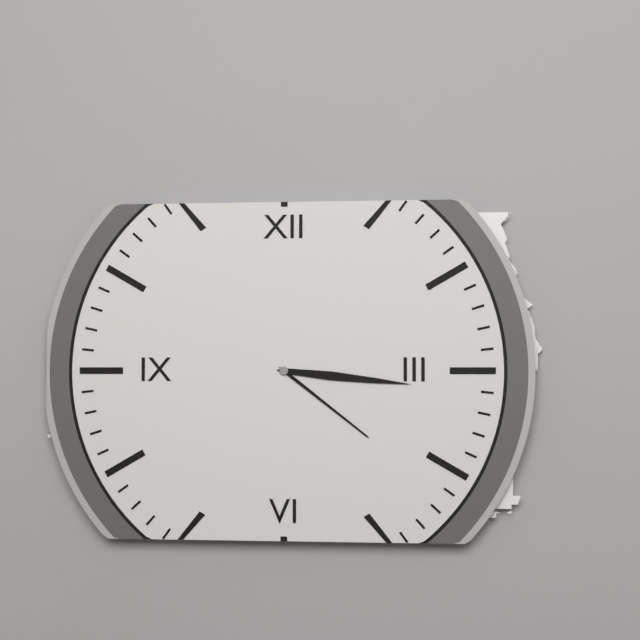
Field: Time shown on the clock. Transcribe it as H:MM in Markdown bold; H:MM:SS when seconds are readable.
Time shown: **4:16**
